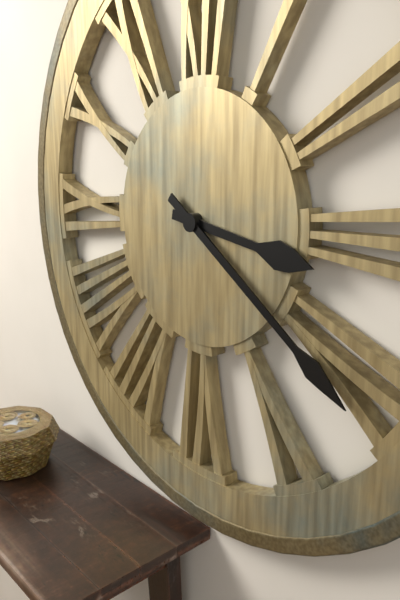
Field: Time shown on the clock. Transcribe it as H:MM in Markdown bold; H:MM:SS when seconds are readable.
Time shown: **3:21**
